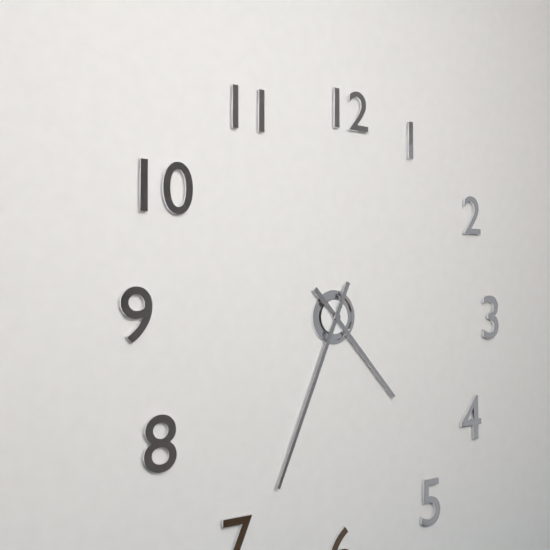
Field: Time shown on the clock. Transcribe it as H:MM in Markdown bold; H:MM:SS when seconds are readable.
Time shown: **4:34**
